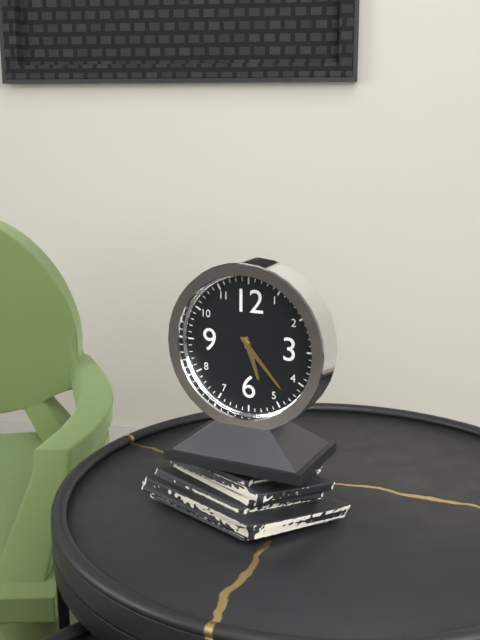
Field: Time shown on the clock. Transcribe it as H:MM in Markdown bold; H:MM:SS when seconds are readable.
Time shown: **5:23**
